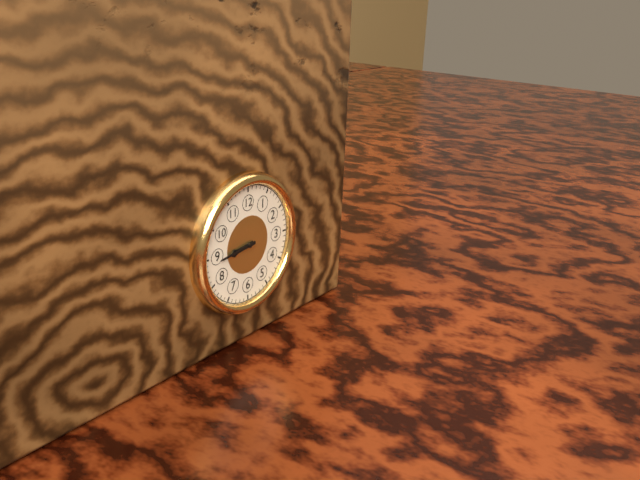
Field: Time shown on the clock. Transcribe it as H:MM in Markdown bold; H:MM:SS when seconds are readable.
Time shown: **8:44**
